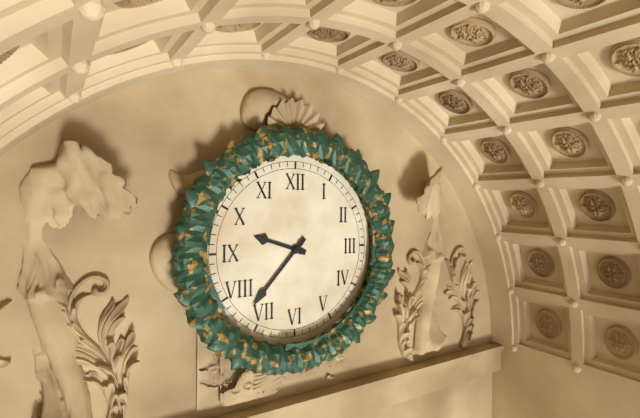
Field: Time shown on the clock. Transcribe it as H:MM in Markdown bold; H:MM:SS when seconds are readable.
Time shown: **9:37**
